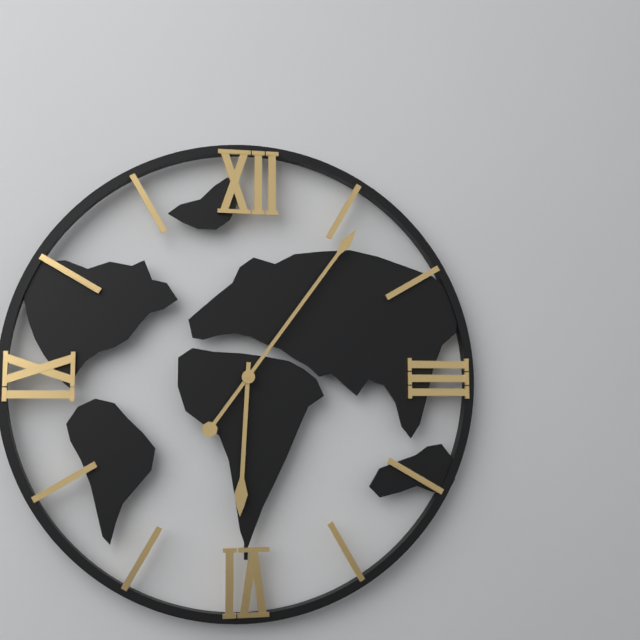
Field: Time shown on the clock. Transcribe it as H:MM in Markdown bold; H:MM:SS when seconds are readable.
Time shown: **6:06**
